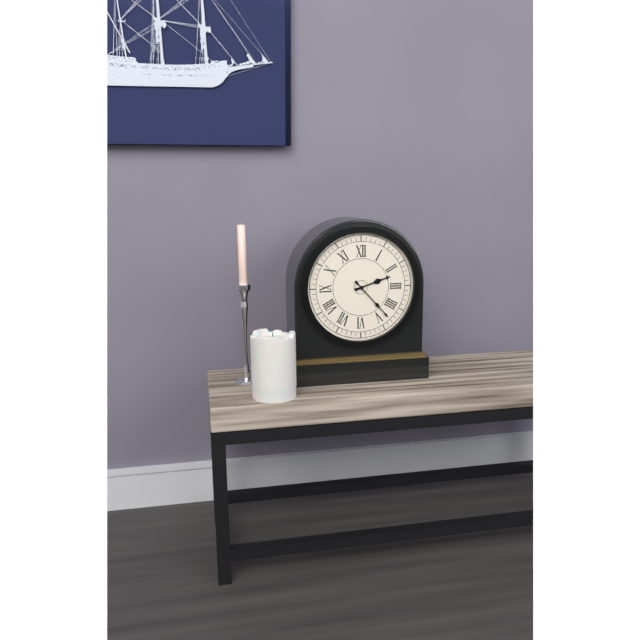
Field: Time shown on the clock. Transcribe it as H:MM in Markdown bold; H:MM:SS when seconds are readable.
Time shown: **2:23**
